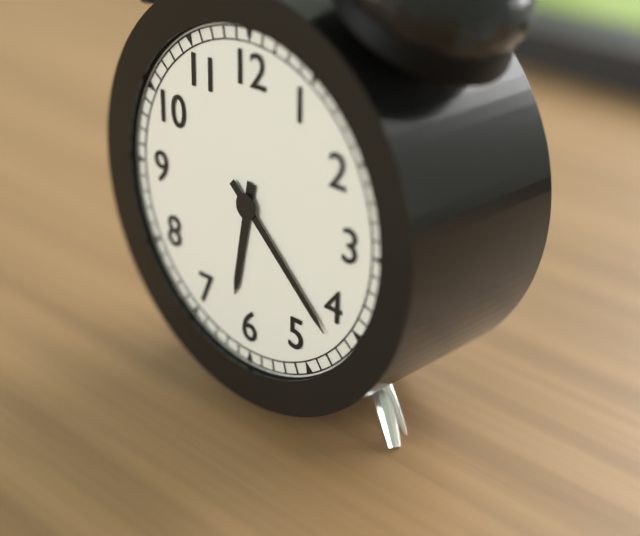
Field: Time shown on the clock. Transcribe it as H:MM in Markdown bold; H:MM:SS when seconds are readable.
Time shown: **6:22**
